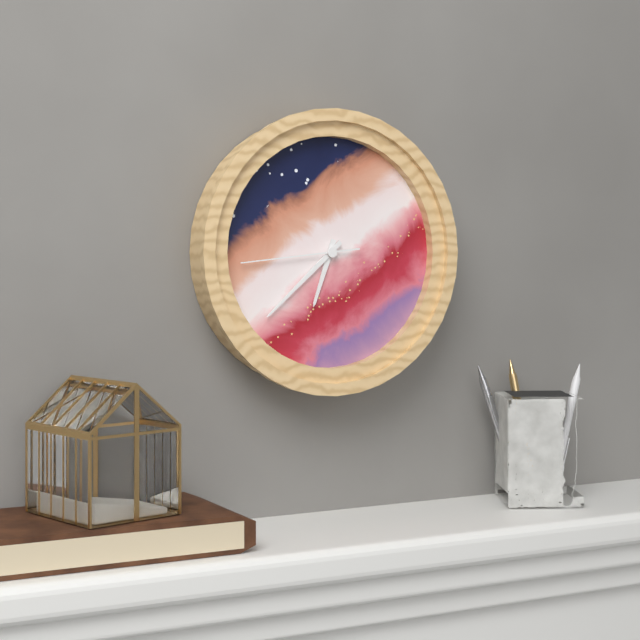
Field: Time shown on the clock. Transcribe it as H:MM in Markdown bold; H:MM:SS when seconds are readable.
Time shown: **6:38:44**
